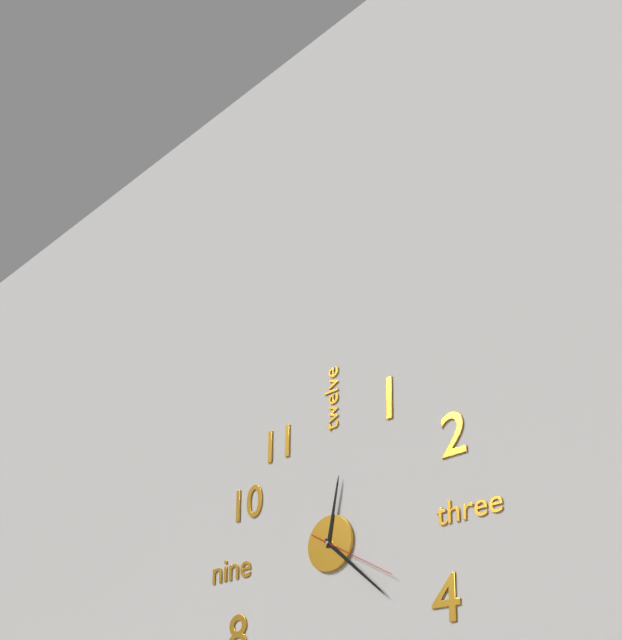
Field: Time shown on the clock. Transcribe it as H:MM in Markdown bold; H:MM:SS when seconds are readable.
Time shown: **12:22:20**
